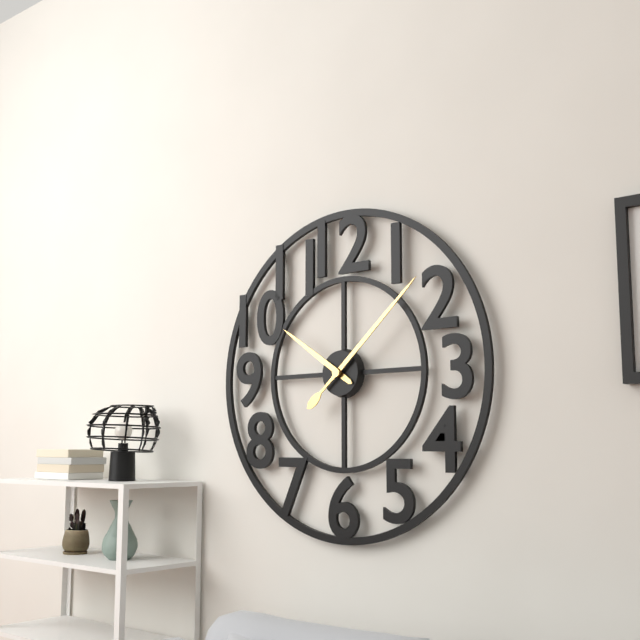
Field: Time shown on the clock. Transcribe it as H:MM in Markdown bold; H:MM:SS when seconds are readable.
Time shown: **10:08**
